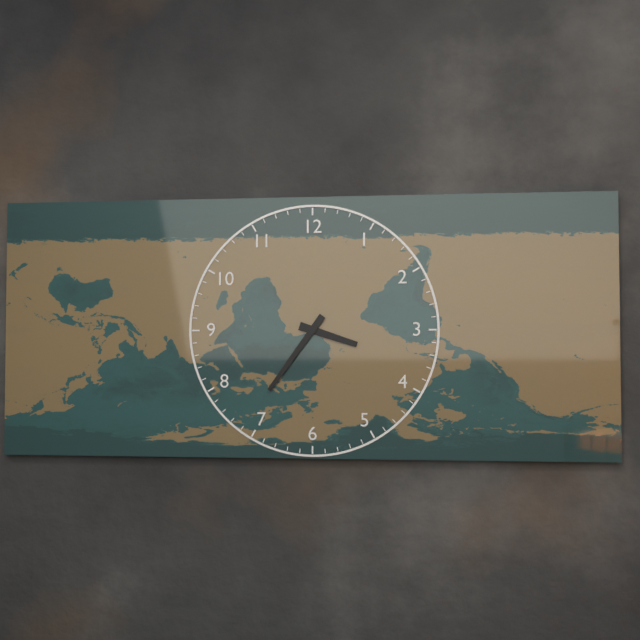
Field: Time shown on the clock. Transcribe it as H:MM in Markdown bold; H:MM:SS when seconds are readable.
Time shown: **3:36**
